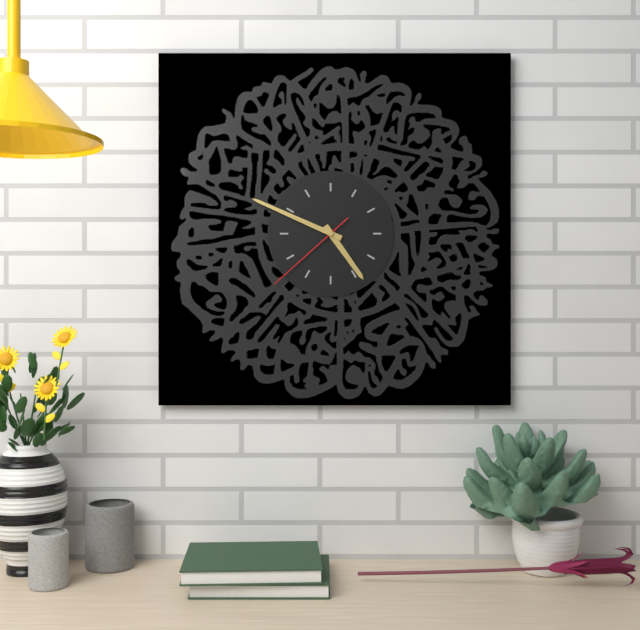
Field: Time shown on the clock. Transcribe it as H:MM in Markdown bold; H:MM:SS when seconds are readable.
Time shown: **4:49:38**
